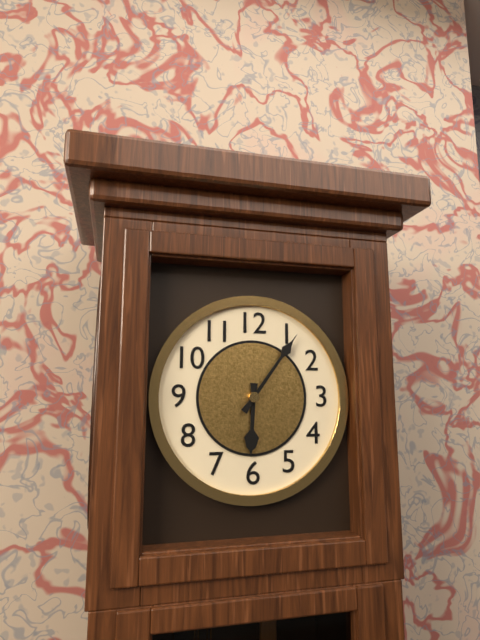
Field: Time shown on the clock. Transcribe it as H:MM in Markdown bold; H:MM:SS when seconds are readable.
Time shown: **6:06**
